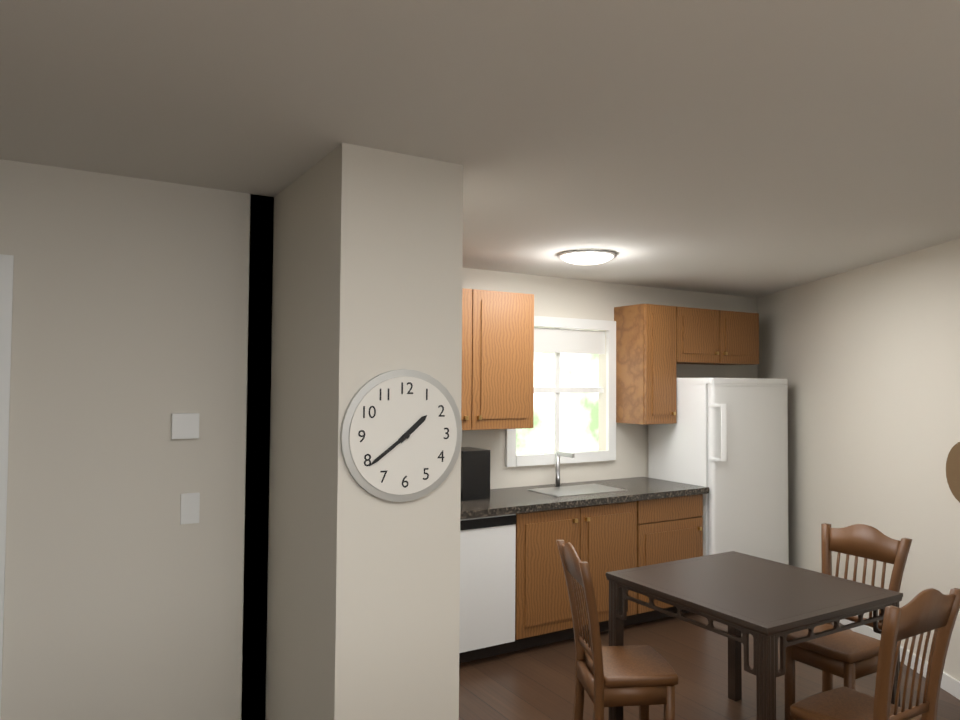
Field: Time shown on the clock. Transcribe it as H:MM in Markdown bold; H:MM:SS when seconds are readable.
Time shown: **1:39**
